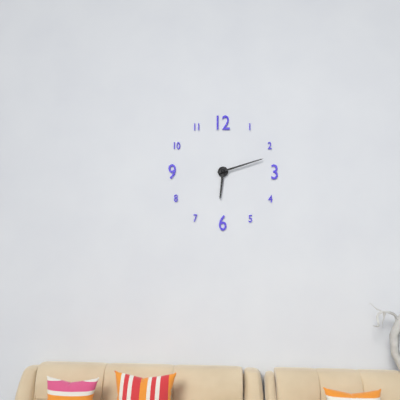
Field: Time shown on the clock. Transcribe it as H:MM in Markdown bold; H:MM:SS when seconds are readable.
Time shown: **6:12**
